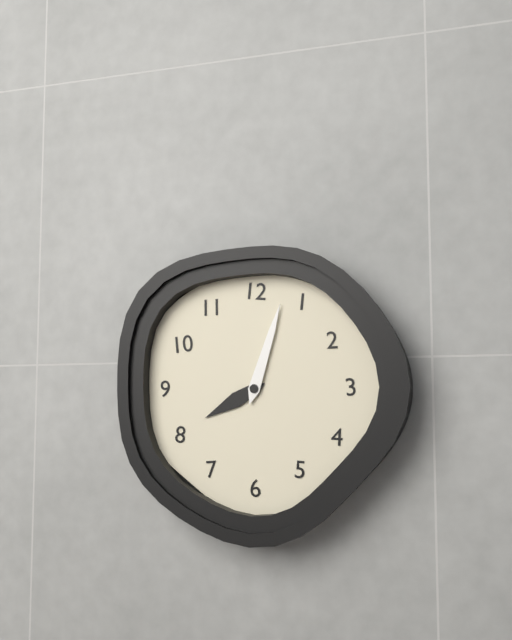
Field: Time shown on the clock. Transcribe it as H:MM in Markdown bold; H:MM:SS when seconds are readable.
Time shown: **8:03**
